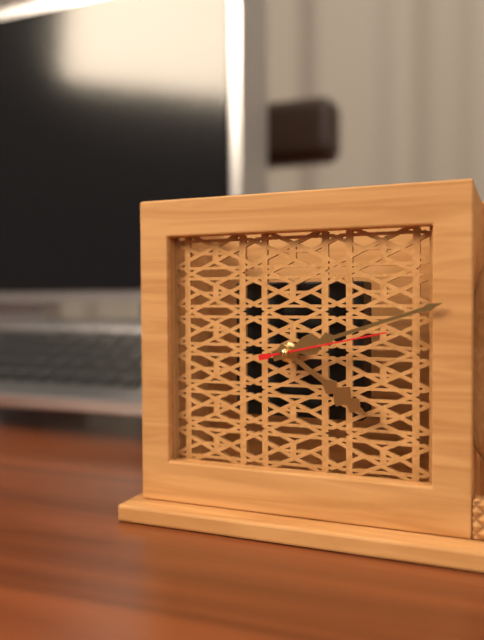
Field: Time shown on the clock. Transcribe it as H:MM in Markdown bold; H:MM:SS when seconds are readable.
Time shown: **4:12:13**
